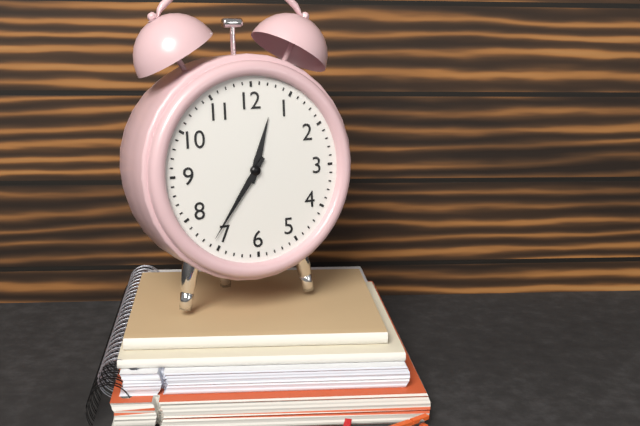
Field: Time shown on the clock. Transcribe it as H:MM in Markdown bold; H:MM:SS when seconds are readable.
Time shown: **12:36**
